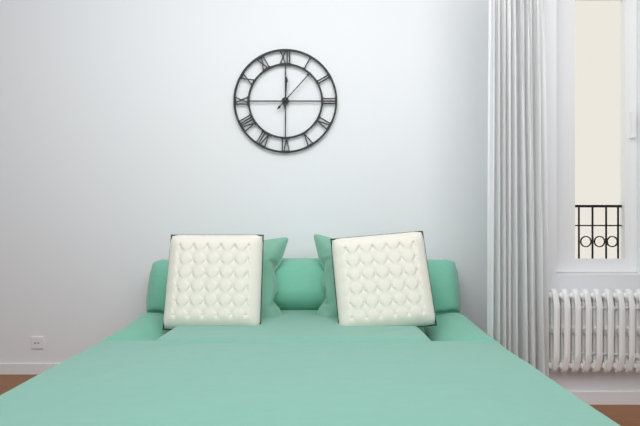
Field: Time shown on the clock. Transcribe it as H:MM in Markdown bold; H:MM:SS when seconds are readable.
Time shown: **12:07**
